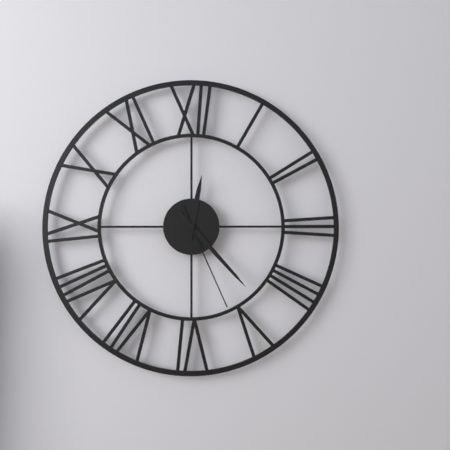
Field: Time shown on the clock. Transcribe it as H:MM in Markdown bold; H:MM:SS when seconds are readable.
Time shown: **12:23:26**
